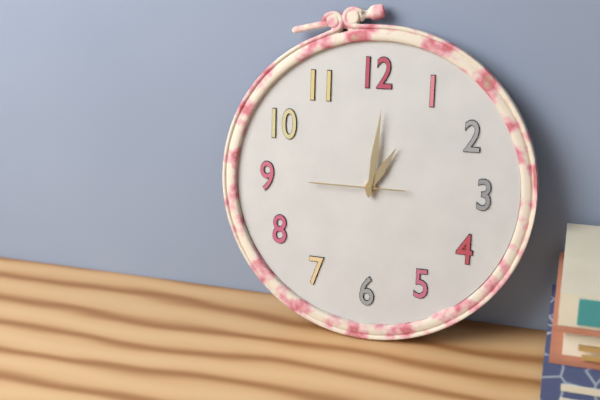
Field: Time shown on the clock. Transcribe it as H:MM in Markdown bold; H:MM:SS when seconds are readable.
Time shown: **1:01:45**
